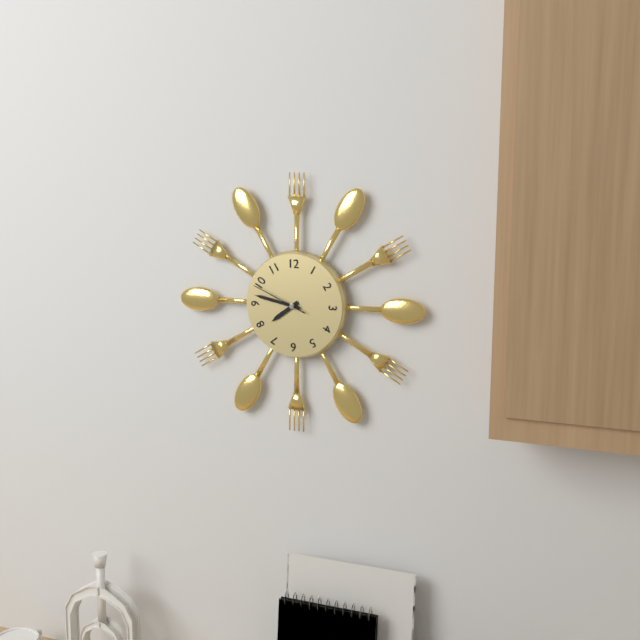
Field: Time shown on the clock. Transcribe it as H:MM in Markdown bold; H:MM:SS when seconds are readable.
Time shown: **7:47:49**
